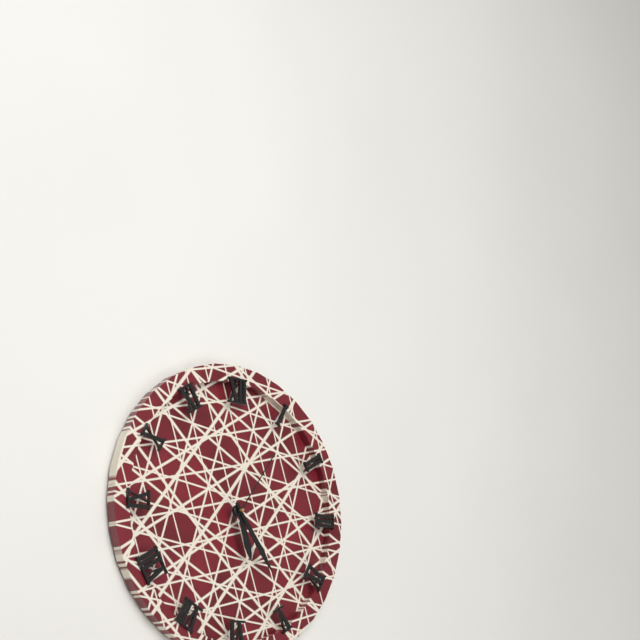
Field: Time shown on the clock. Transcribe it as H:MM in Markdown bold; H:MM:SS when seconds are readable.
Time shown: **5:24:06**
